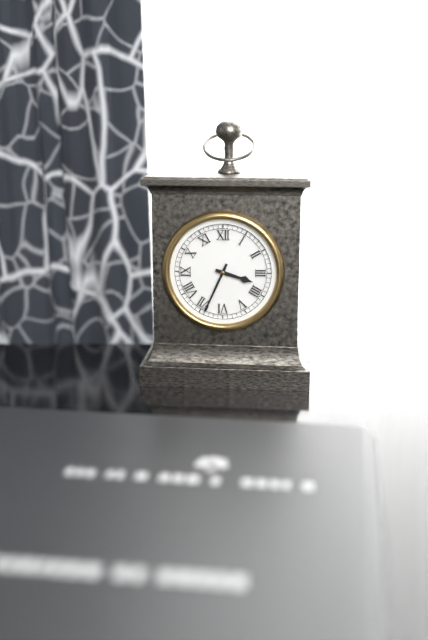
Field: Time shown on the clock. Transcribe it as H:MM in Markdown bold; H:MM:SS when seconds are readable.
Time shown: **3:34**
